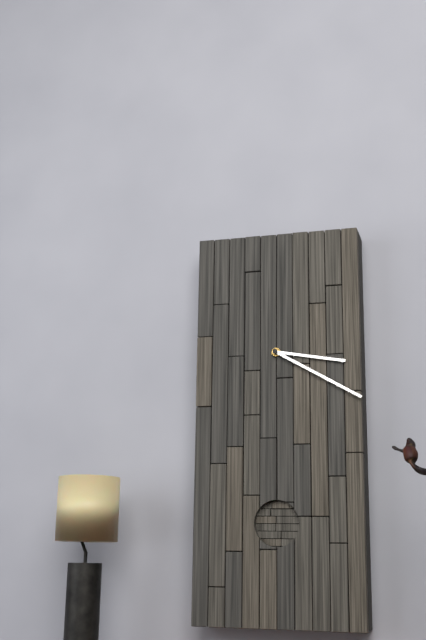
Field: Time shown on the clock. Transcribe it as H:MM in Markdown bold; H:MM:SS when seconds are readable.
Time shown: **3:20**
